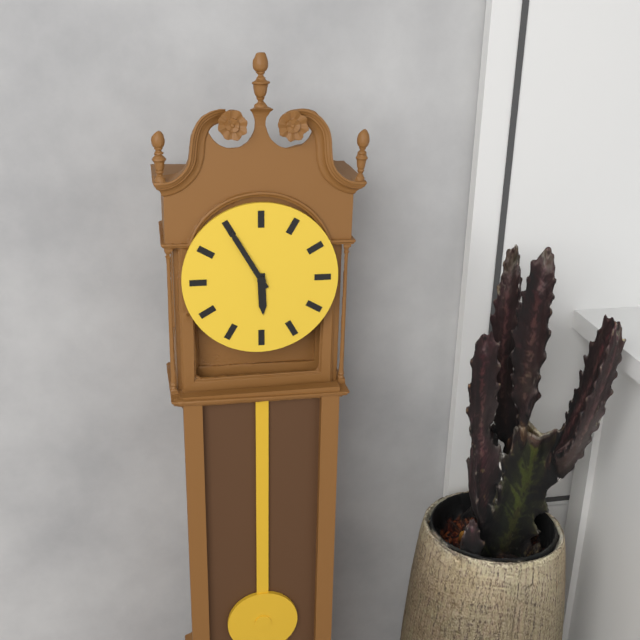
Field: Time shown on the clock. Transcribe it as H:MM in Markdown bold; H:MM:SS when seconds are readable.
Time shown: **5:55**
